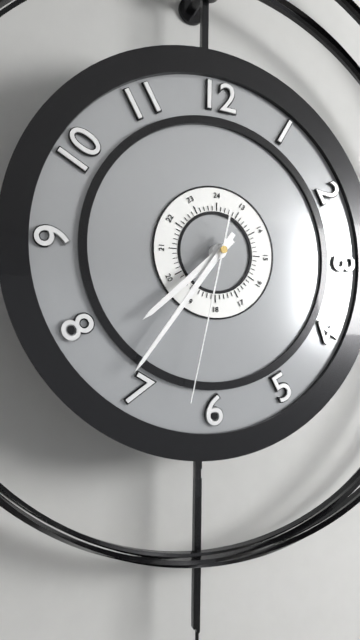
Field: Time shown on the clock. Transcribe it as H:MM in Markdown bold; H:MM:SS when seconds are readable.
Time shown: **7:36:32**
